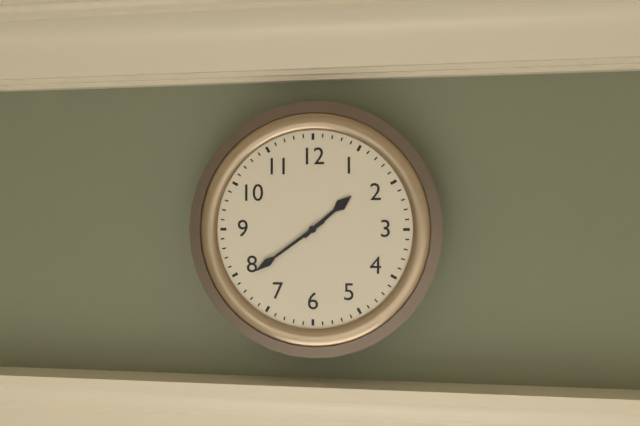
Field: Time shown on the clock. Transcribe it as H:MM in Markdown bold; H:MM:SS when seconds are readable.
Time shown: **1:39**
